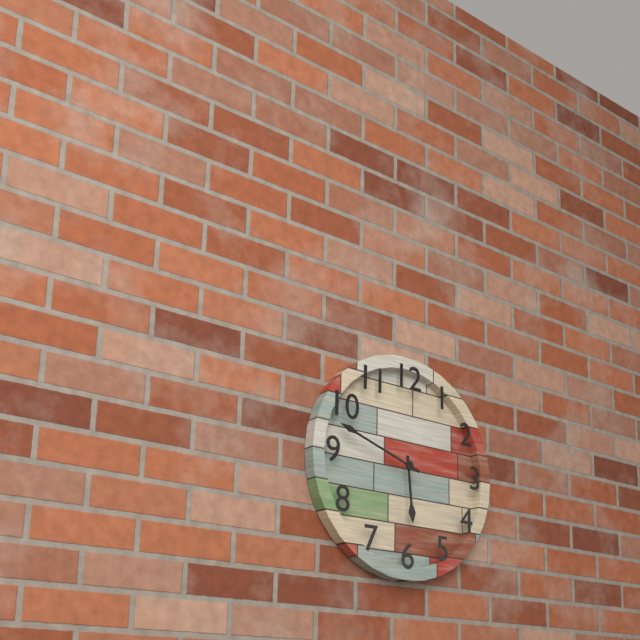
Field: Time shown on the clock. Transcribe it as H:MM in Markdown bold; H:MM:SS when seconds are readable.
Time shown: **5:48**
